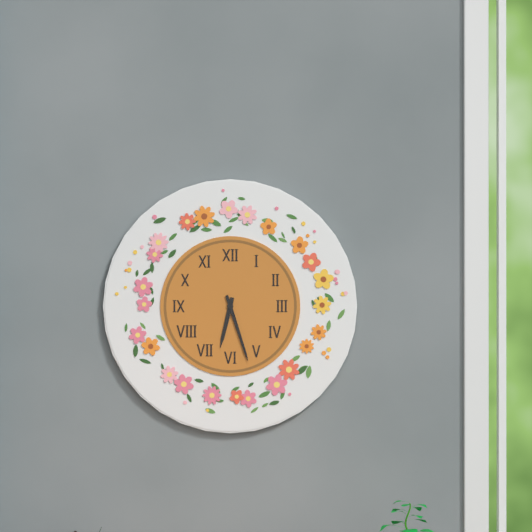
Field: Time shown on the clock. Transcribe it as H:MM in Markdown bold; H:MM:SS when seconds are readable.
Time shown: **6:27**
